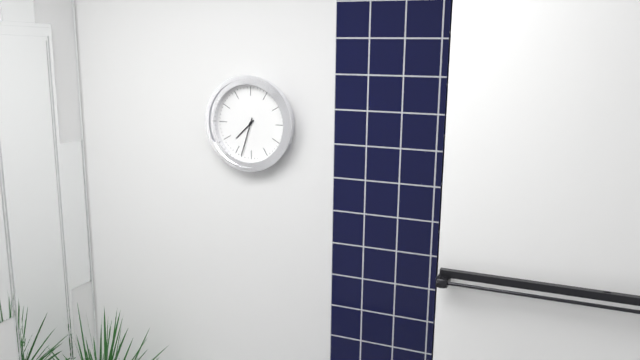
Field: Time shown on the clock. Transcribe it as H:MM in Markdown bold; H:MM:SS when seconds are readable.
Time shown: **7:33**
